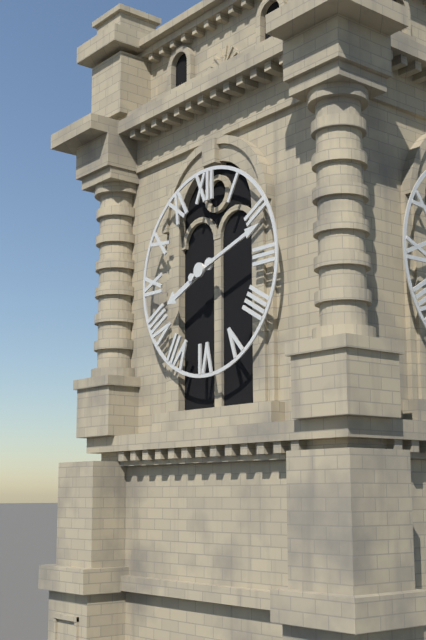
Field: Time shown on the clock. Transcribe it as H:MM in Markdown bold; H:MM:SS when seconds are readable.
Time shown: **8:12**
